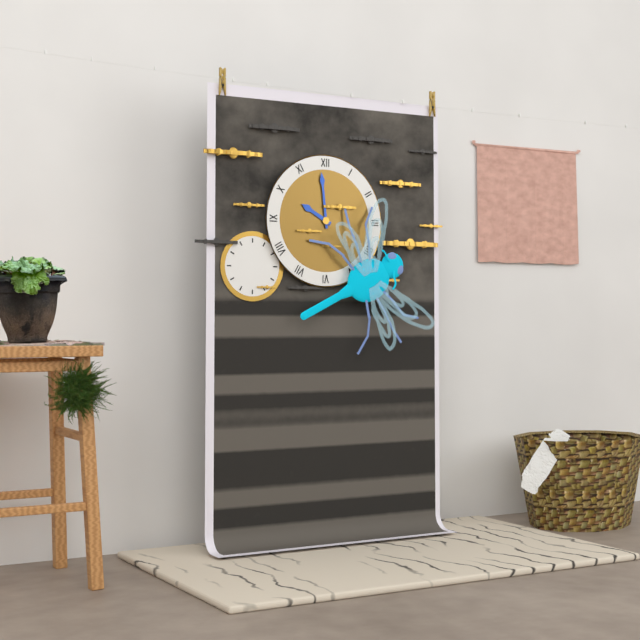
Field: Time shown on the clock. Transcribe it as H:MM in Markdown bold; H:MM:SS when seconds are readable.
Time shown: **9:59**
